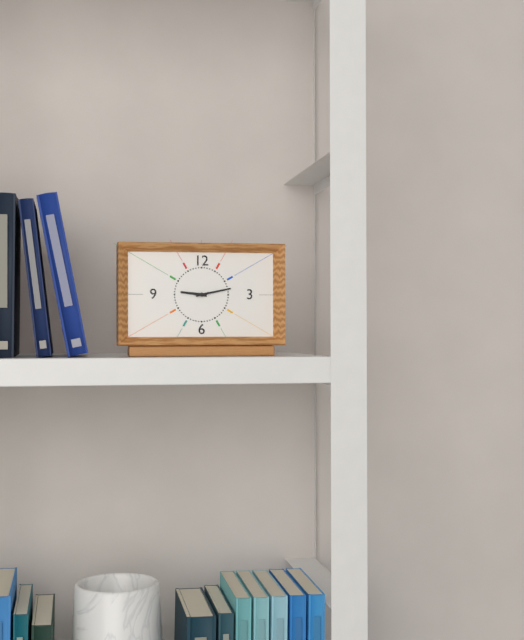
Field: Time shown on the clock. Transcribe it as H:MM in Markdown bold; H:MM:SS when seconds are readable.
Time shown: **9:13**
